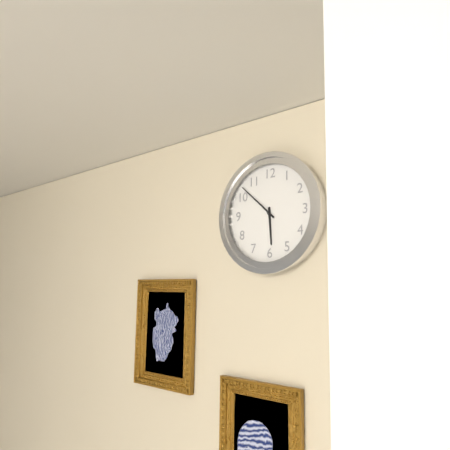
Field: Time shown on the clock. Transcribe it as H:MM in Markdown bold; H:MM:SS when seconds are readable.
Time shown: **5:52**
